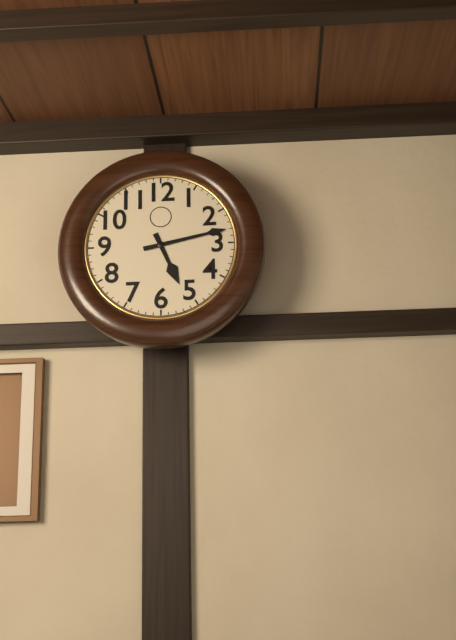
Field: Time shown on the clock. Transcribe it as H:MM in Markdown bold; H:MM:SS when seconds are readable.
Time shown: **5:13**
